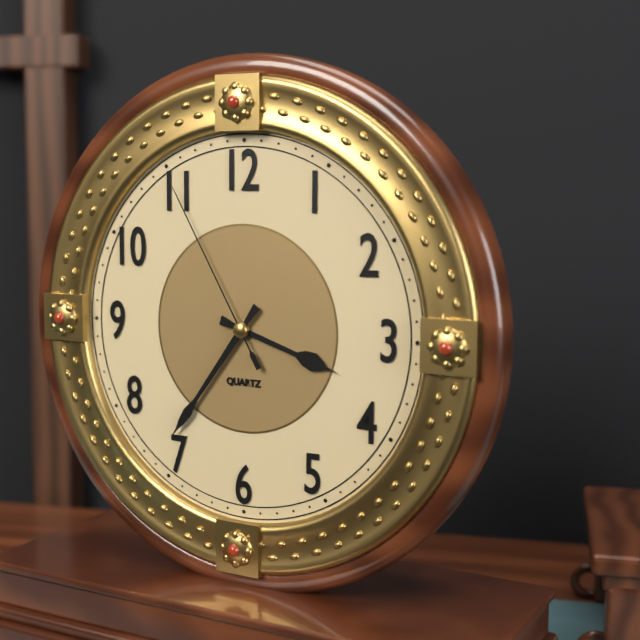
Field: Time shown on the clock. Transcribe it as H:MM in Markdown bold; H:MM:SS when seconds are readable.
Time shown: **3:36:55**
